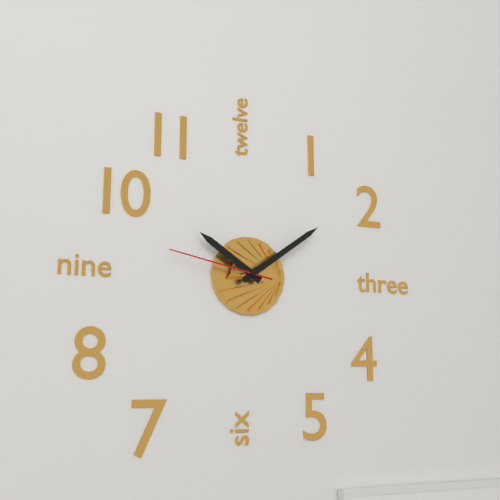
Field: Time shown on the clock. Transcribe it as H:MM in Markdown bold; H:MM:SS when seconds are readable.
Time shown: **10:09:47**
